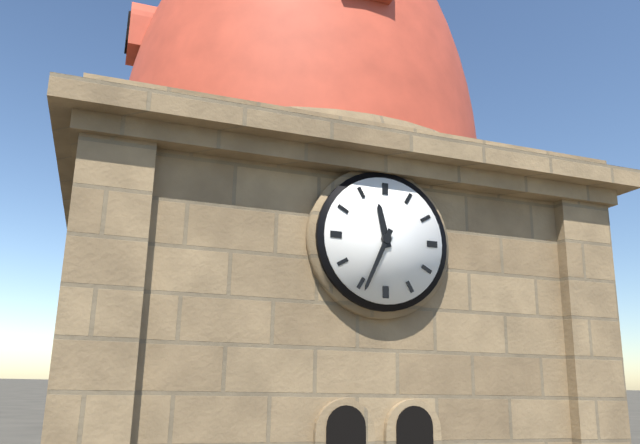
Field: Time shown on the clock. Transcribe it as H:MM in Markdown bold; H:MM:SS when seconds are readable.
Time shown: **11:34**
